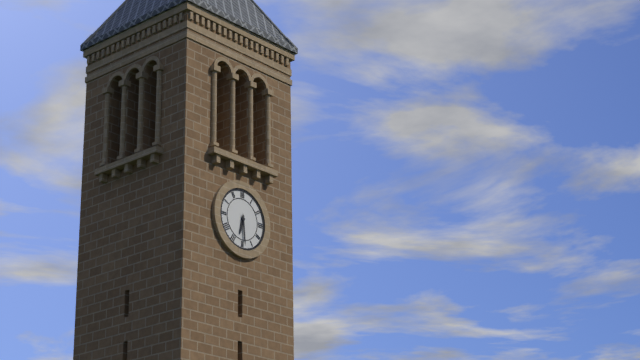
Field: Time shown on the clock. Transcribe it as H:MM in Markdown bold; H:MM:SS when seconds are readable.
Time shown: **6:29**
